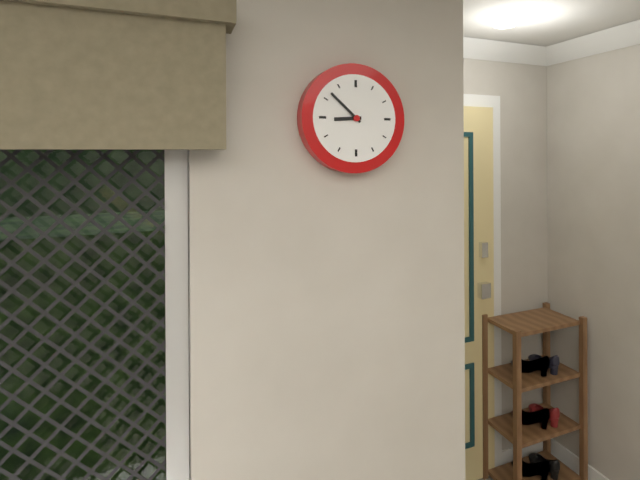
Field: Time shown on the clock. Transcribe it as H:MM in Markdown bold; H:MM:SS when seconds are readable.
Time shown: **8:52**
